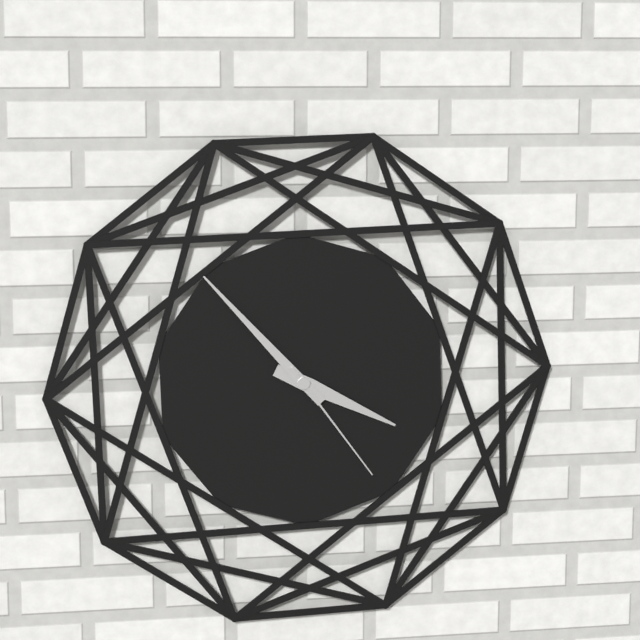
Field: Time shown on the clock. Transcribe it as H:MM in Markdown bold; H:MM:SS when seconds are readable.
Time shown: **3:53:24**
